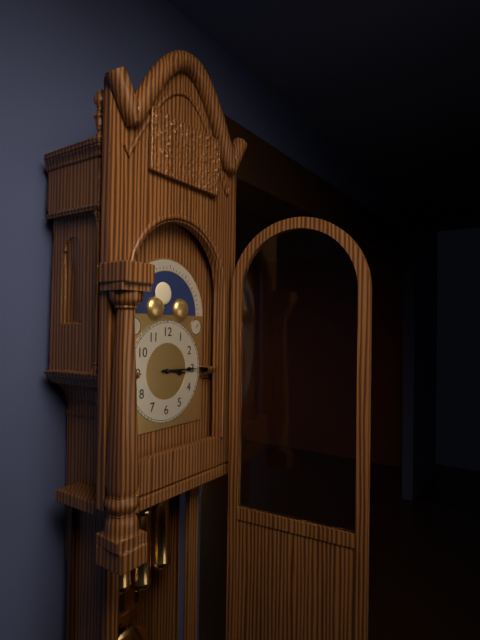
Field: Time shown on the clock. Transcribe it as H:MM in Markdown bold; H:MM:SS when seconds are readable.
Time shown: **3:15**
